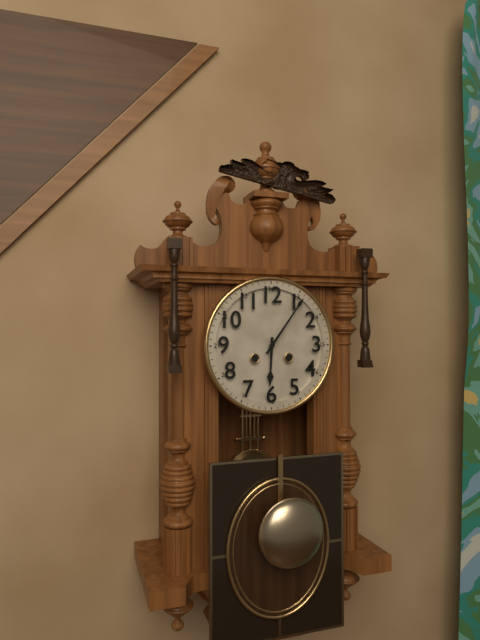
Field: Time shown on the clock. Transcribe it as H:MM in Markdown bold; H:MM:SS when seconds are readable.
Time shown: **6:06**
